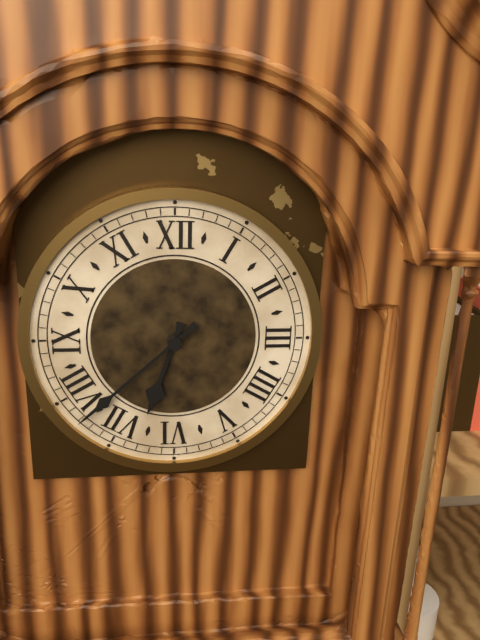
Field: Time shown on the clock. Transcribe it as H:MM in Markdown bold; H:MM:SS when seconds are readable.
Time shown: **6:38**
